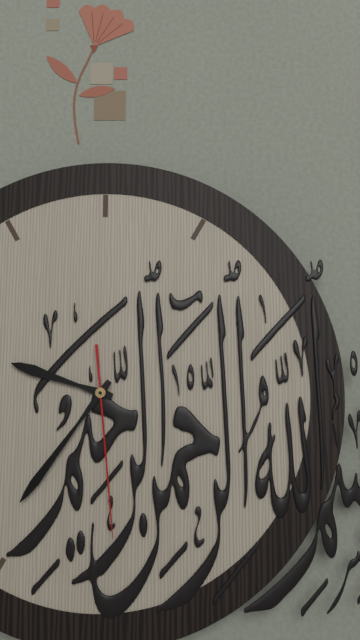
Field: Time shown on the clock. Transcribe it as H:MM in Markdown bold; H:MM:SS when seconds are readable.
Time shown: **9:36:29**
